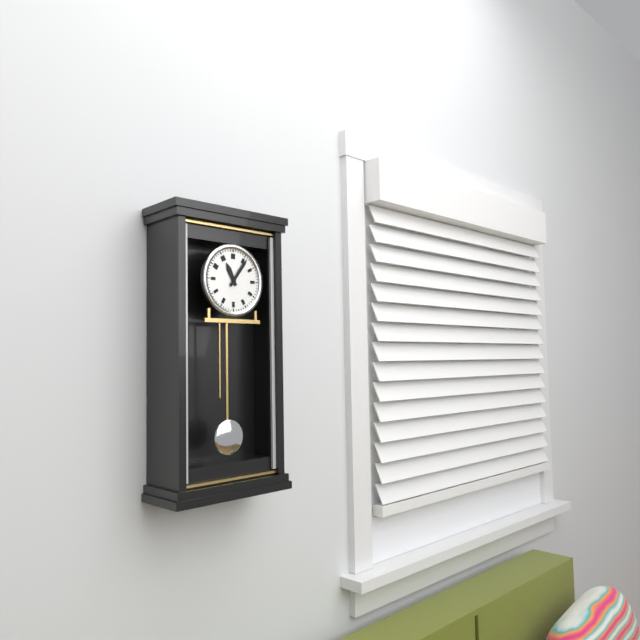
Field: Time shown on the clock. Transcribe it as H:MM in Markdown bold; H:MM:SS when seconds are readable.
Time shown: **11:06**
